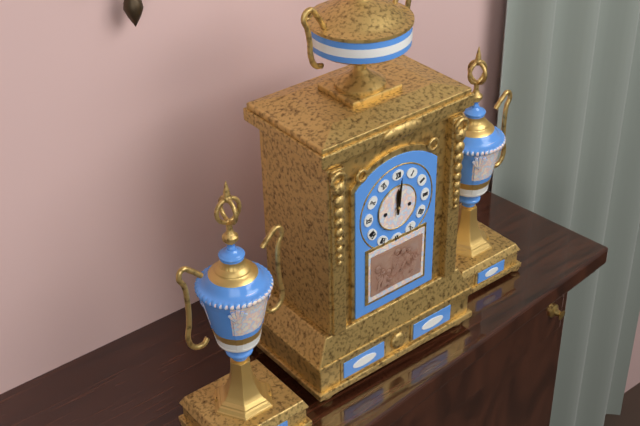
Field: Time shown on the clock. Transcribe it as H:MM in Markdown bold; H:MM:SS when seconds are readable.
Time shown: **12:01**
